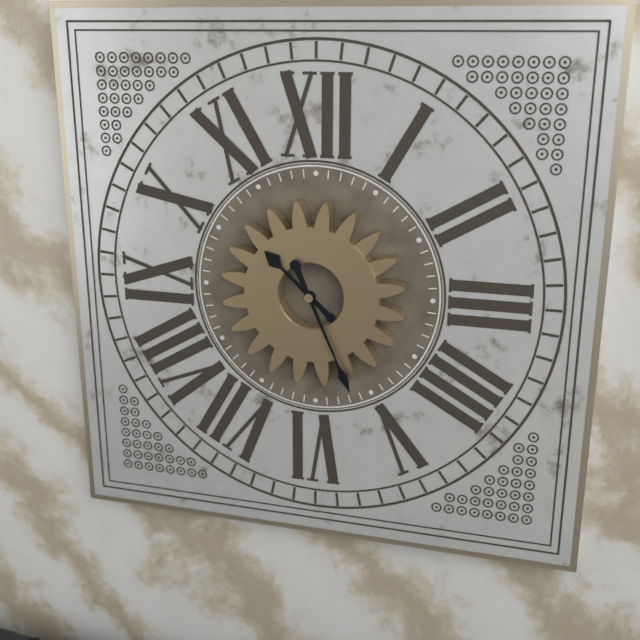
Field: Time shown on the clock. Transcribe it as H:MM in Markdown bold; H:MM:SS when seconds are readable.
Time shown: **10:26**
